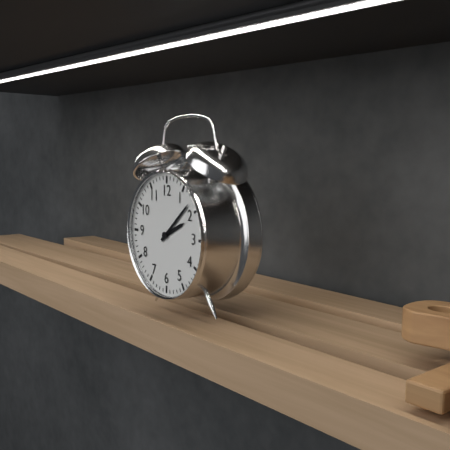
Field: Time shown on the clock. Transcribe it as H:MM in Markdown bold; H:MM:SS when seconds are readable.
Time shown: **2:08**
